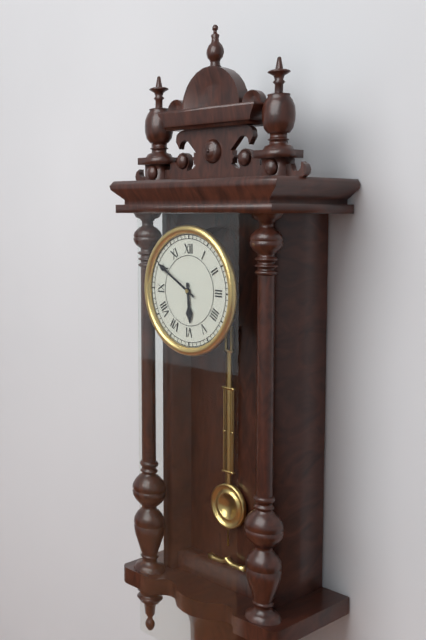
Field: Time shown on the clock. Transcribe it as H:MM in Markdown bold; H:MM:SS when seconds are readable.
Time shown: **5:50**
